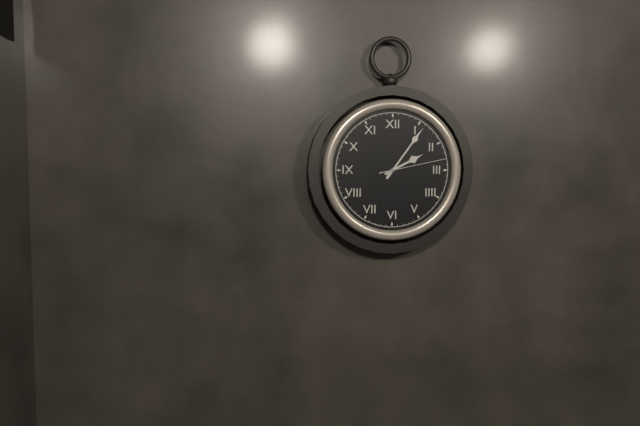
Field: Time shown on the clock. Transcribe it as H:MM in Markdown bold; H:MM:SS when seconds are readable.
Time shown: **2:06:13**
